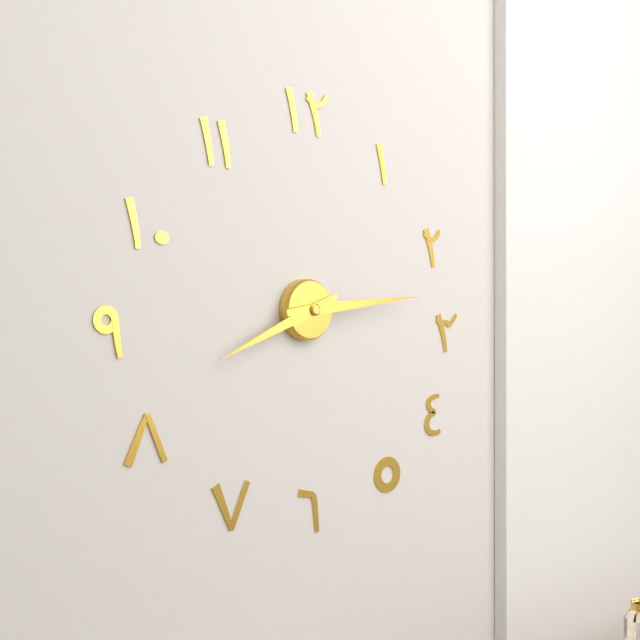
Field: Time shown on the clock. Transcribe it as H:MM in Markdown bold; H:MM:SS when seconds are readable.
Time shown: **8:14**
